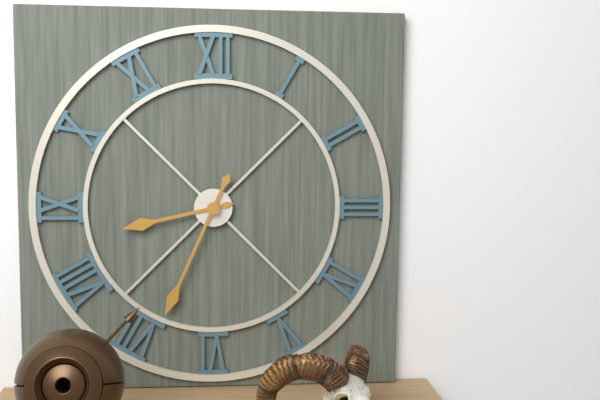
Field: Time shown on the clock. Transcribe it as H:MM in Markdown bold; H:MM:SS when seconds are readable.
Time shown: **8:34**
